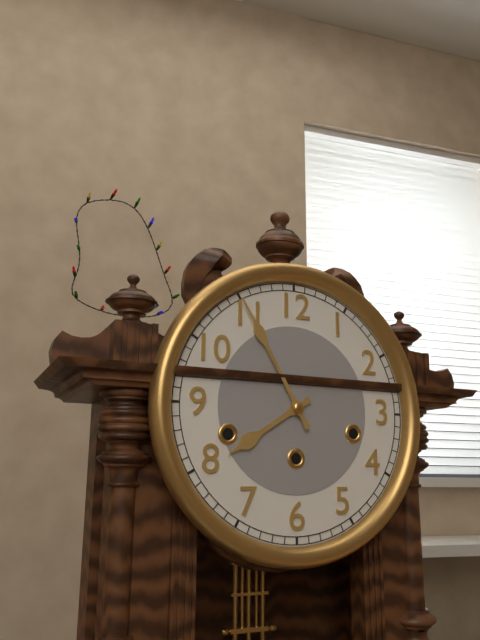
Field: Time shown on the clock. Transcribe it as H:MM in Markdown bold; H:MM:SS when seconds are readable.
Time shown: **7:55**
